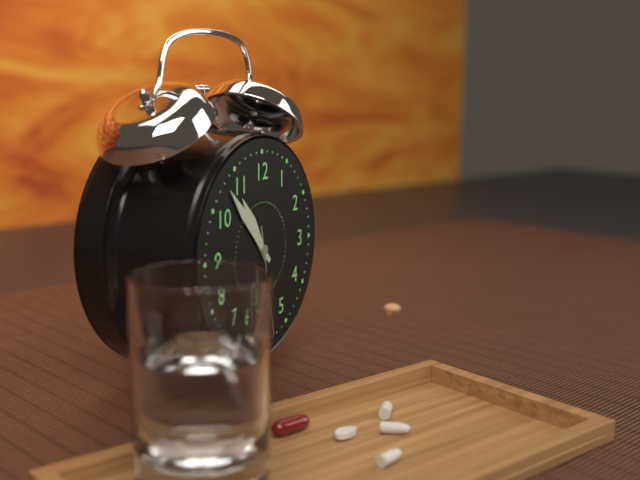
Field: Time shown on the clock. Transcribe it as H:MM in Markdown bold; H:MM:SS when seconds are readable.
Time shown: **10:53:28**
